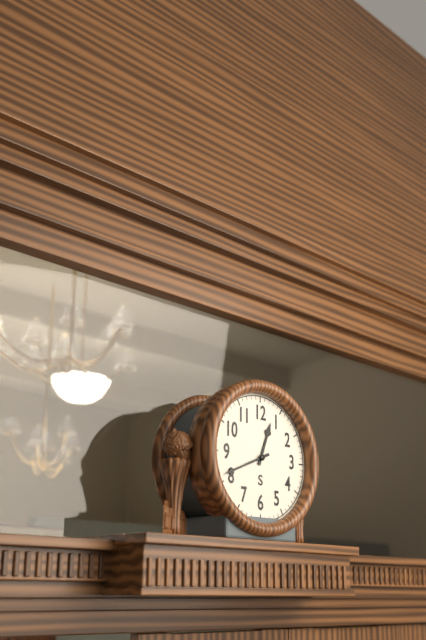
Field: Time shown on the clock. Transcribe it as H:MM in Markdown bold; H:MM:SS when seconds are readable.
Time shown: **12:41**
